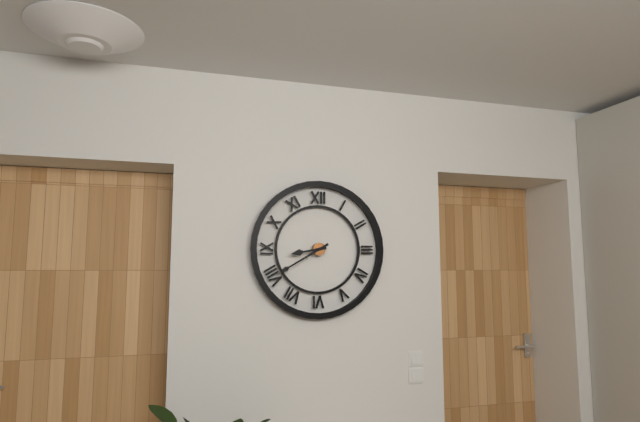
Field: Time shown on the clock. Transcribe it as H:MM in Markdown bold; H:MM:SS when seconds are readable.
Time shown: **8:40**
